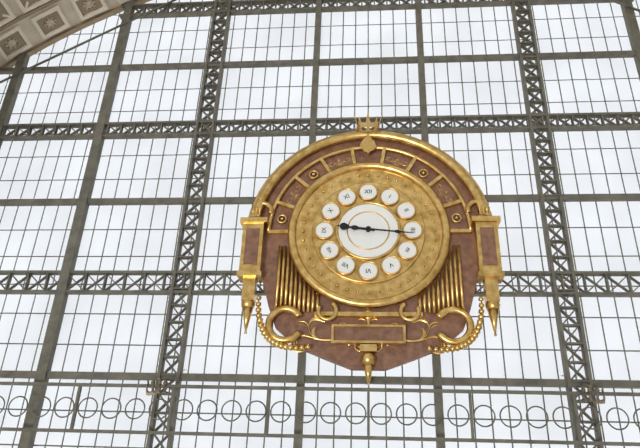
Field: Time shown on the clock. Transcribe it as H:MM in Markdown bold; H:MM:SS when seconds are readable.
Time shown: **9:16**
